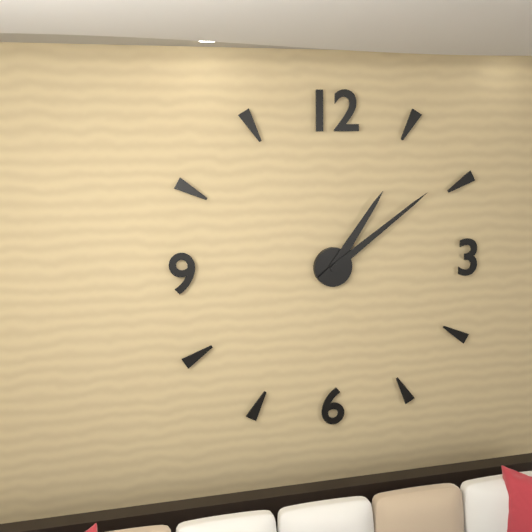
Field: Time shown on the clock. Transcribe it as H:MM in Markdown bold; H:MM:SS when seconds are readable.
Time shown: **1:09**
